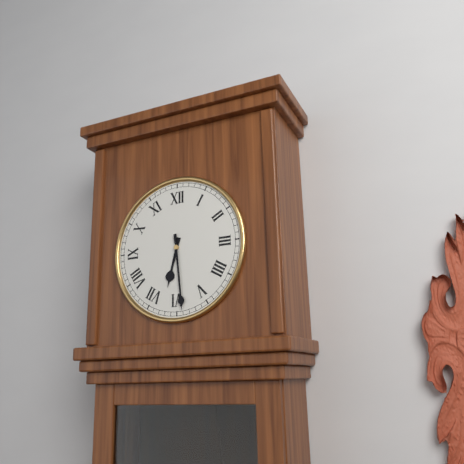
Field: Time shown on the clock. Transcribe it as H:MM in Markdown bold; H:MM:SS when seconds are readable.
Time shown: **6:29**
